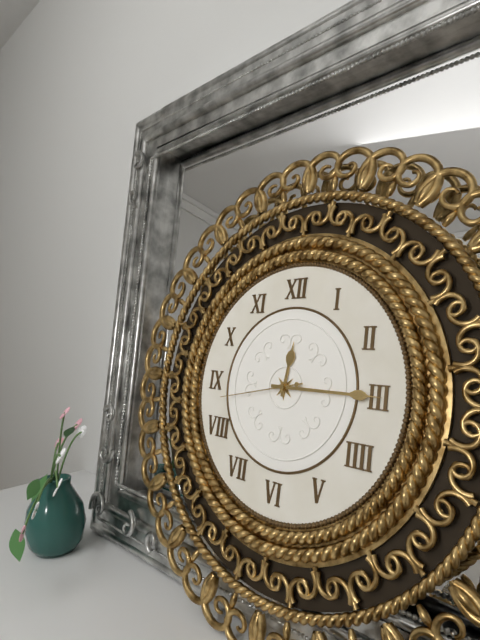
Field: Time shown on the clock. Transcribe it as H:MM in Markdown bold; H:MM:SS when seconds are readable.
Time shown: **12:15:43**
